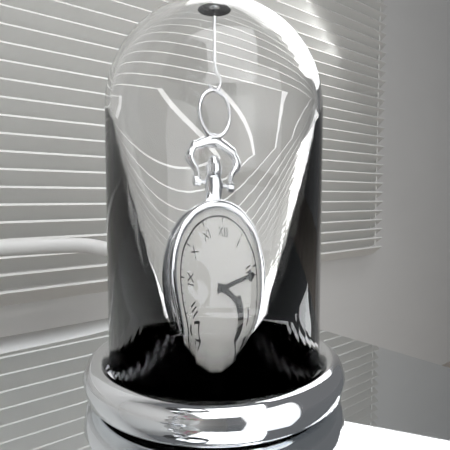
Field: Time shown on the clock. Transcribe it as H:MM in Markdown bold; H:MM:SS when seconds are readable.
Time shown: **3:11**
